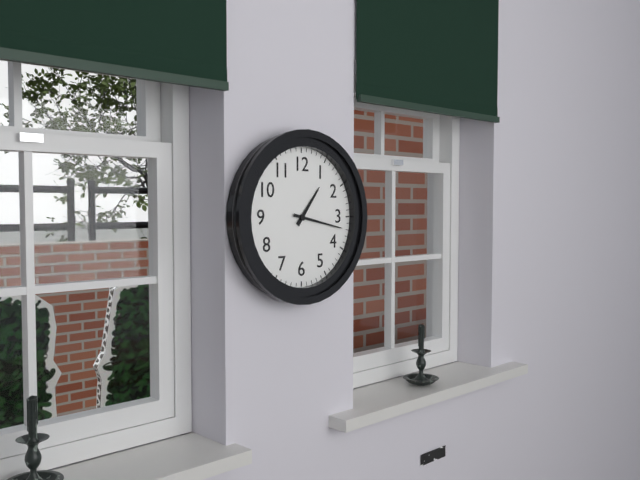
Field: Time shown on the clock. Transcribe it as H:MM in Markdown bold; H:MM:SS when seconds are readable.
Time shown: **1:17**
